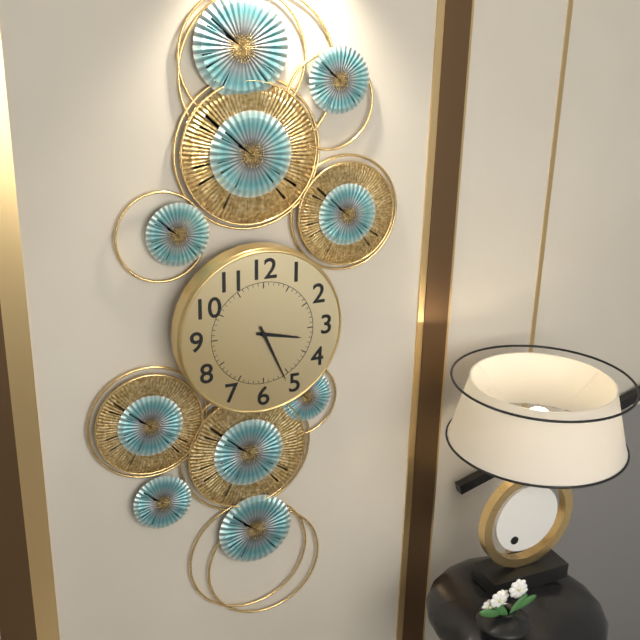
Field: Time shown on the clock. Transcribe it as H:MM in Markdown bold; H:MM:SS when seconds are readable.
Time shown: **3:26**
